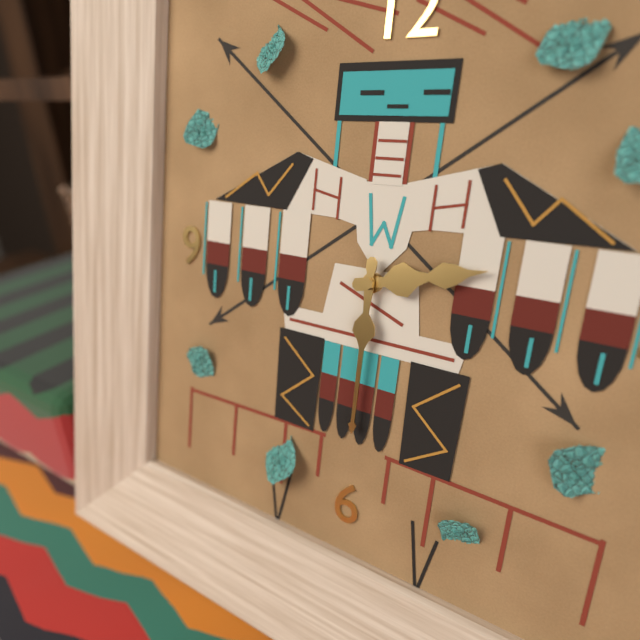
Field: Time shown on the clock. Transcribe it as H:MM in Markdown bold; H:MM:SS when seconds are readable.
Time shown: **2:30**
